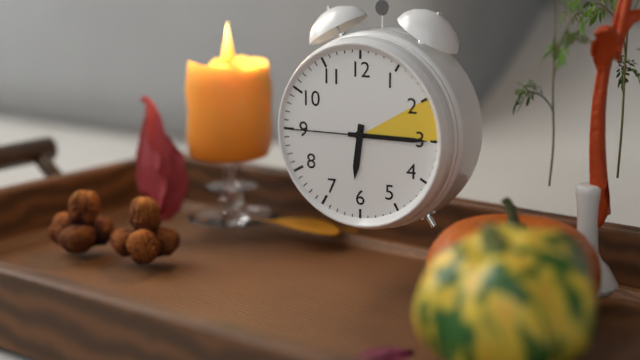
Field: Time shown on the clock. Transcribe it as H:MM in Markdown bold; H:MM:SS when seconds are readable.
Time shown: **6:15:45**
